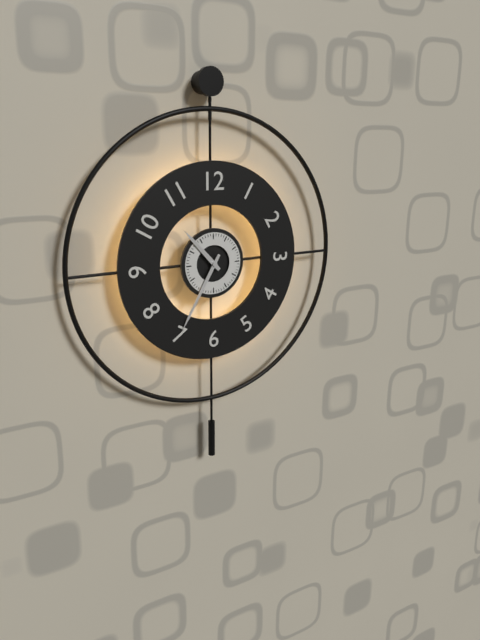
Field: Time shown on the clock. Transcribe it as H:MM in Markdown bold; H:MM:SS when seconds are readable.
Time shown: **10:35**
